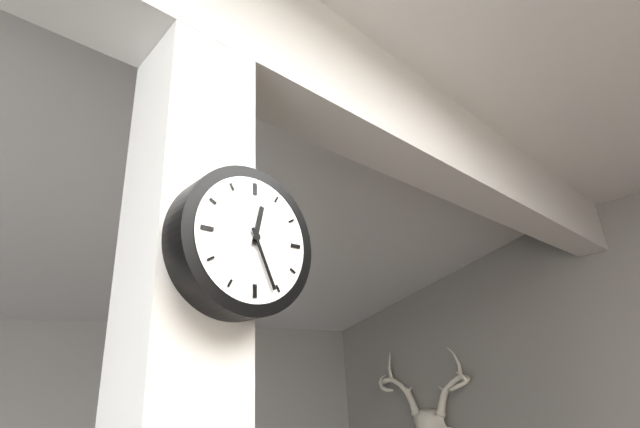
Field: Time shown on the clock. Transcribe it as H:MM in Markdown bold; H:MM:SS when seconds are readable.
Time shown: **12:26**
